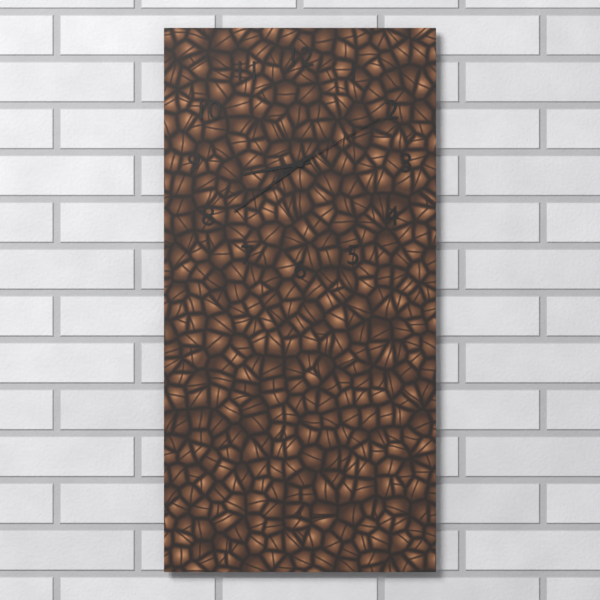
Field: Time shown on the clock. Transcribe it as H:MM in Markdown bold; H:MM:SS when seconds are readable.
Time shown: **8:39:10**
